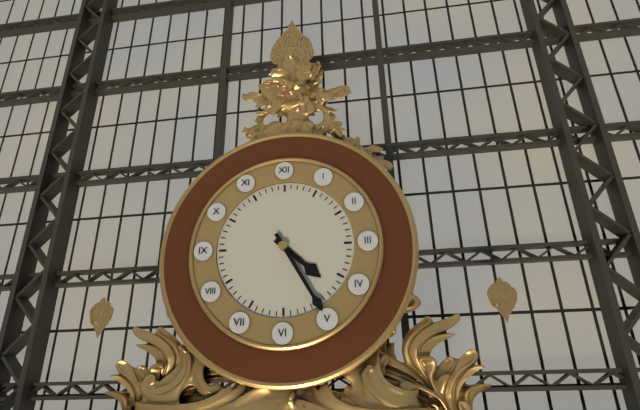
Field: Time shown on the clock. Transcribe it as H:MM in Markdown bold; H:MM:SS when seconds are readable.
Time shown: **4:25**
